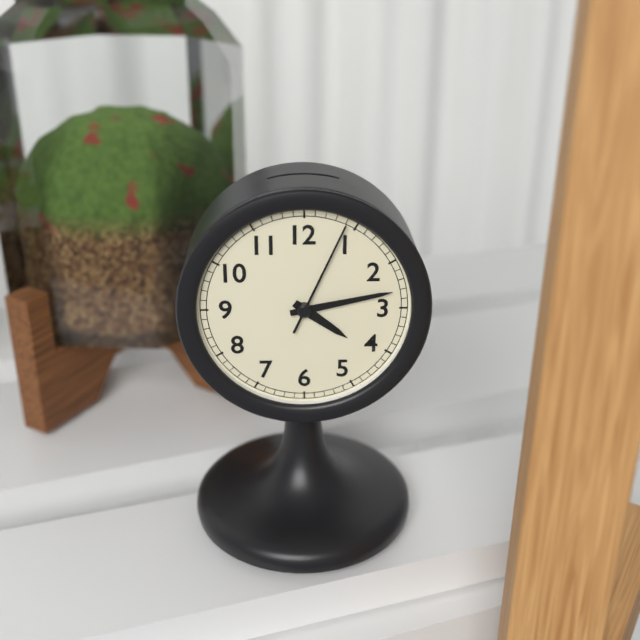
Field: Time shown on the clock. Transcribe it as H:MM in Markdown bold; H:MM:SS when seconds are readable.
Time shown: **4:13:04**
